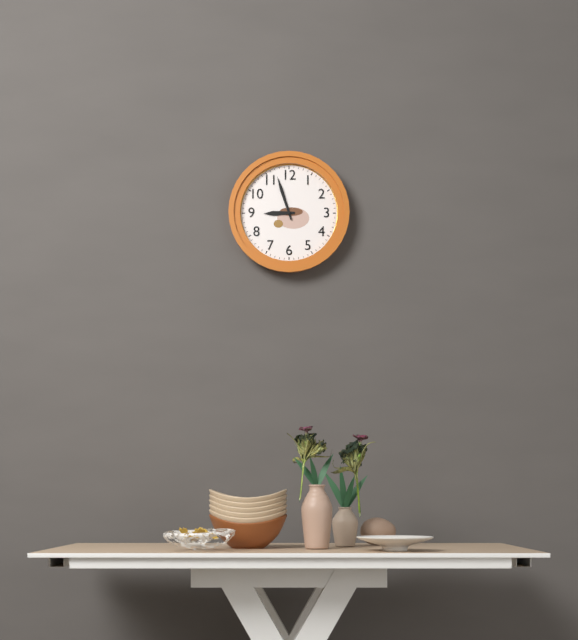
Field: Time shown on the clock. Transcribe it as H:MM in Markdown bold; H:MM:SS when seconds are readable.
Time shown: **8:57**
